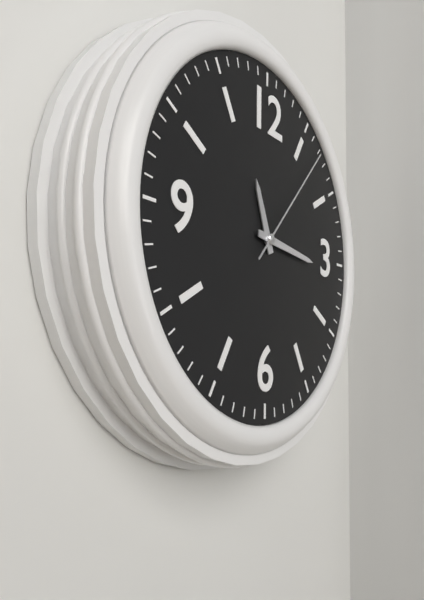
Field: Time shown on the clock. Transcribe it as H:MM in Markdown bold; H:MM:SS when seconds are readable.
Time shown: **11:16:07**
